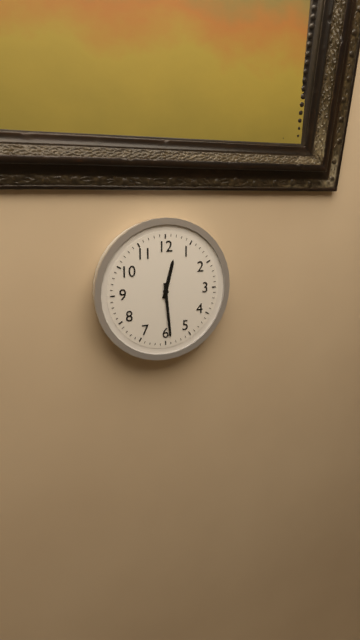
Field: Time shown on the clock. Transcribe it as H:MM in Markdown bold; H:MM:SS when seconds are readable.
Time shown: **12:29**
